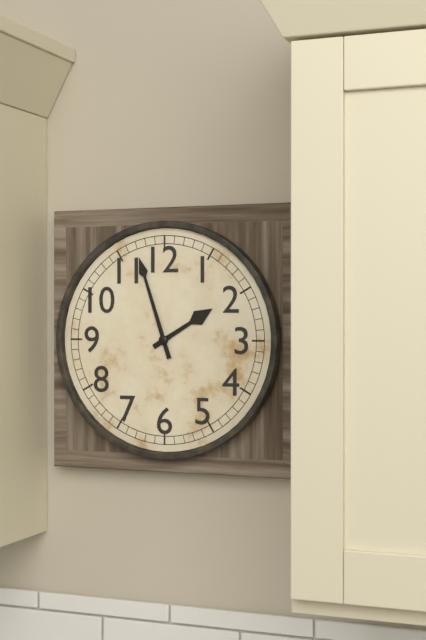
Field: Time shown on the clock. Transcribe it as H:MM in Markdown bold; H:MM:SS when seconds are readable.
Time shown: **1:57**
